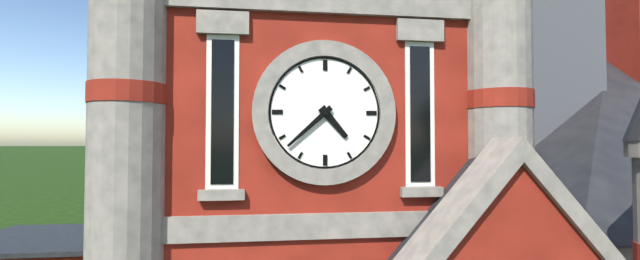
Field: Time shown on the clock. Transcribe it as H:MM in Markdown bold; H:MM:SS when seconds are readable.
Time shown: **4:38**
